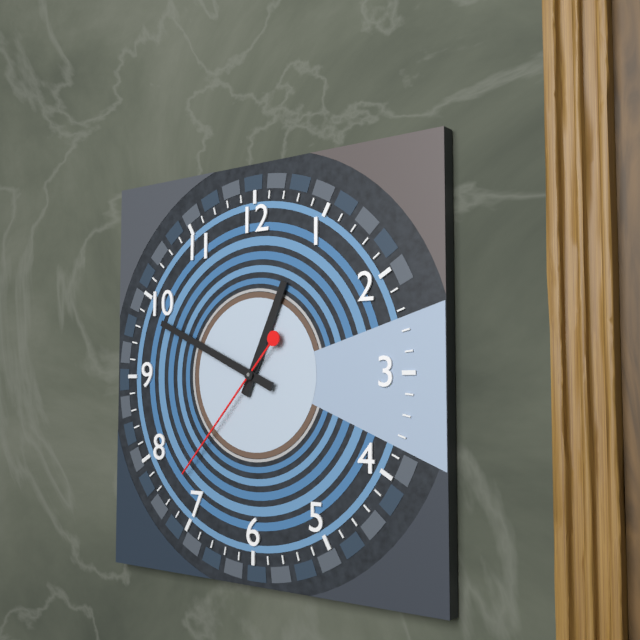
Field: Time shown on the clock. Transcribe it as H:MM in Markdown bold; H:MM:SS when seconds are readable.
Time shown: **12:49:37**
